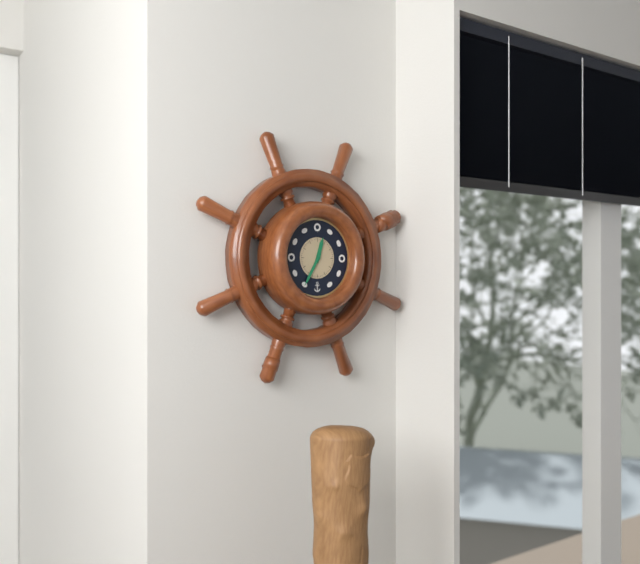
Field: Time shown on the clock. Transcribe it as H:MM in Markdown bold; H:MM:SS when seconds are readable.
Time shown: **12:35**
